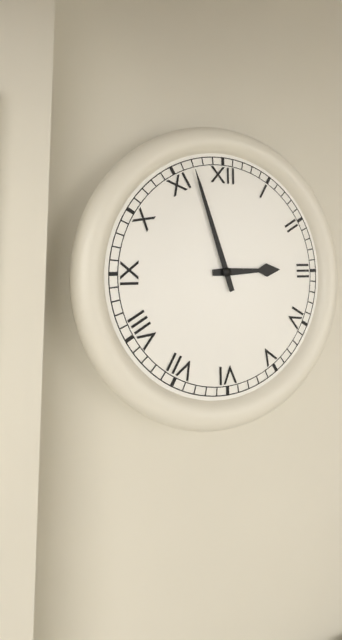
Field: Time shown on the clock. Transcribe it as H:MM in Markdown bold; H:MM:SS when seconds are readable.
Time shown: **2:57**
